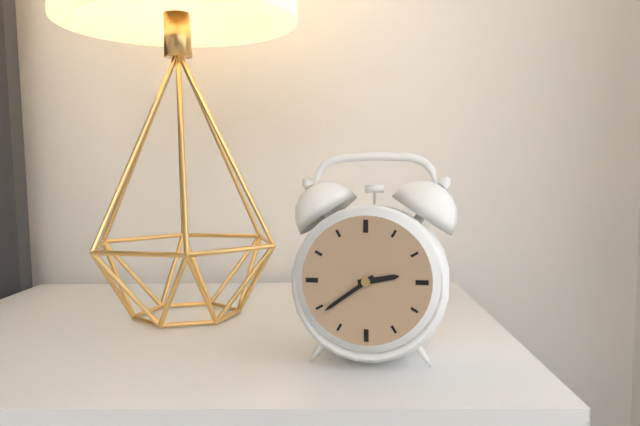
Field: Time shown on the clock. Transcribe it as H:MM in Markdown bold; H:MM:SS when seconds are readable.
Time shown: **2:39**
